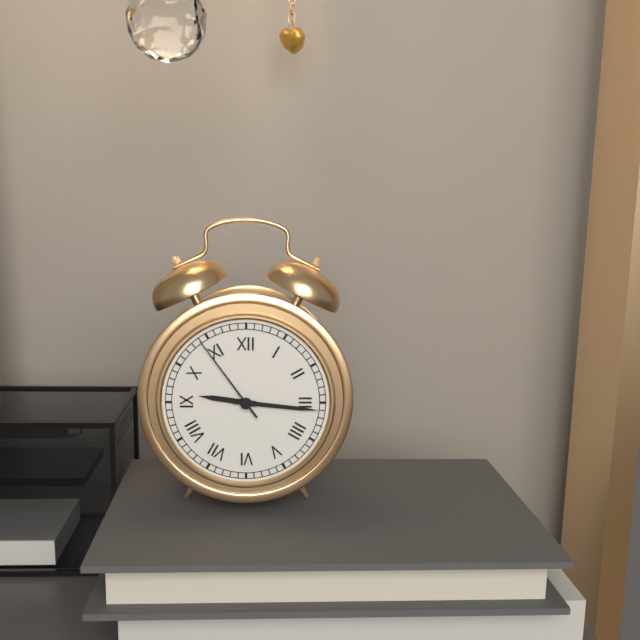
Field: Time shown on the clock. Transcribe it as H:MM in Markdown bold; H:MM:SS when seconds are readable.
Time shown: **9:16:54**
